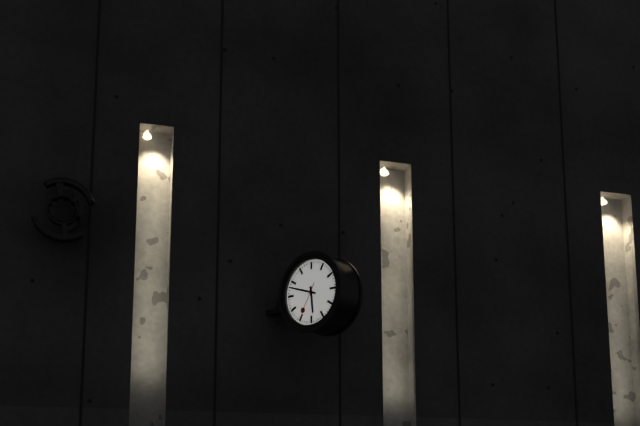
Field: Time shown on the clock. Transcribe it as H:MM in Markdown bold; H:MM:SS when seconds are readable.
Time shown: **5:48**
